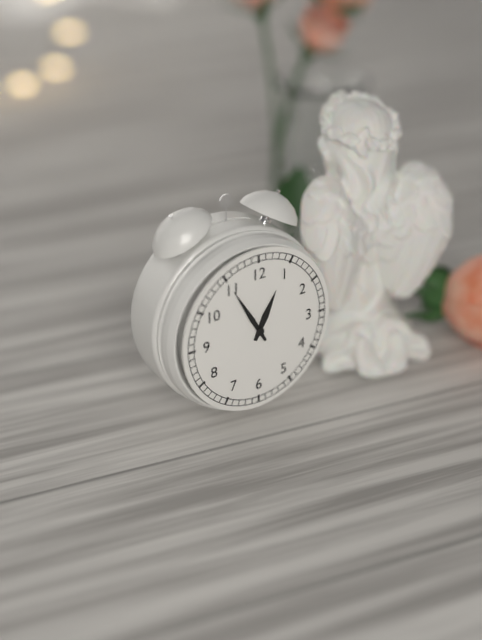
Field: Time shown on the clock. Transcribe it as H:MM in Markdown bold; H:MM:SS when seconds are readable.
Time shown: **12:55**
